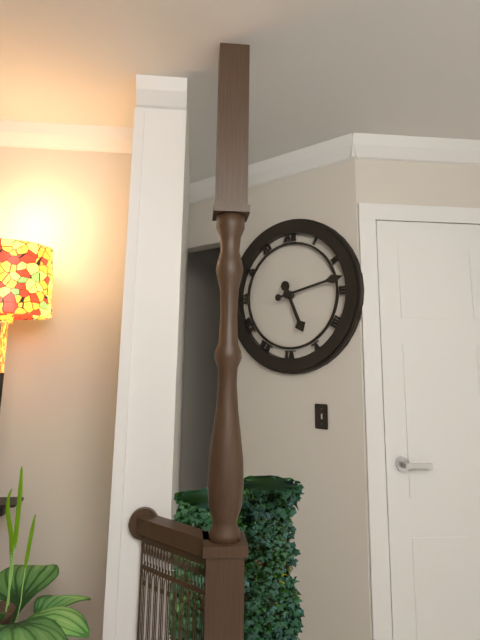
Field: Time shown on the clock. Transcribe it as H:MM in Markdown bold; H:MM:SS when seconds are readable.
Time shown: **5:13**
